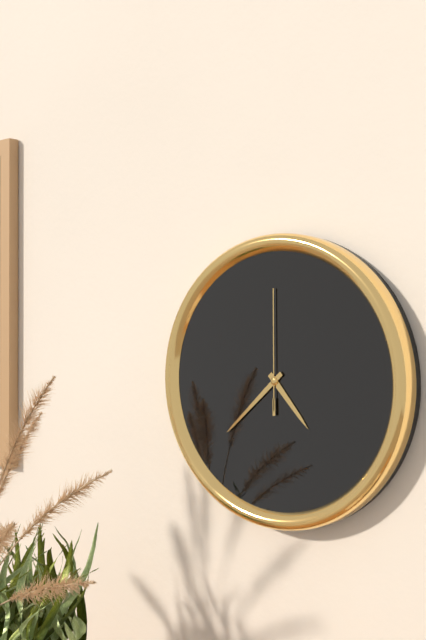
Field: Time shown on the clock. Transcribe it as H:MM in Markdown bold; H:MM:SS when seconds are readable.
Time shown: **4:38:00**
